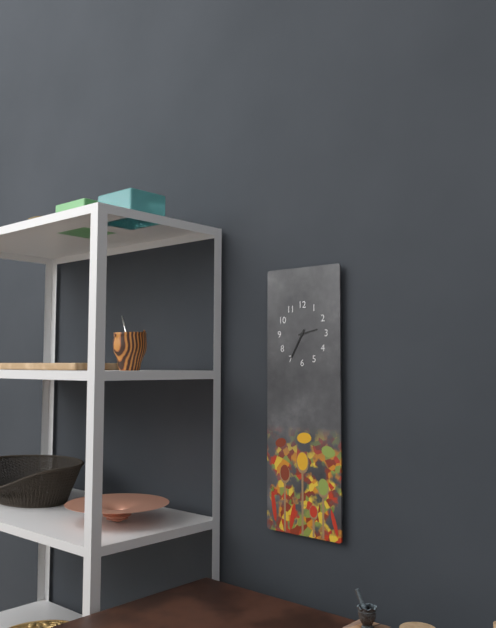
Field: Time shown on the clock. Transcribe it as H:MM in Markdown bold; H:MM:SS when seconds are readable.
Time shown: **2:35**
